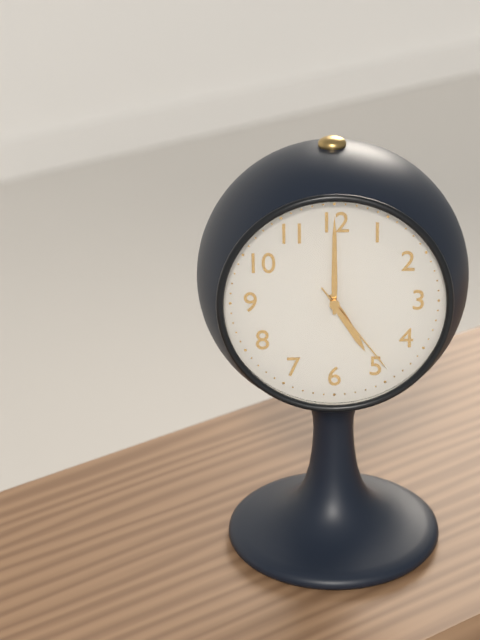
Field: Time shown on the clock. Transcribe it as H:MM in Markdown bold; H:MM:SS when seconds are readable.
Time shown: **5:00:24**
